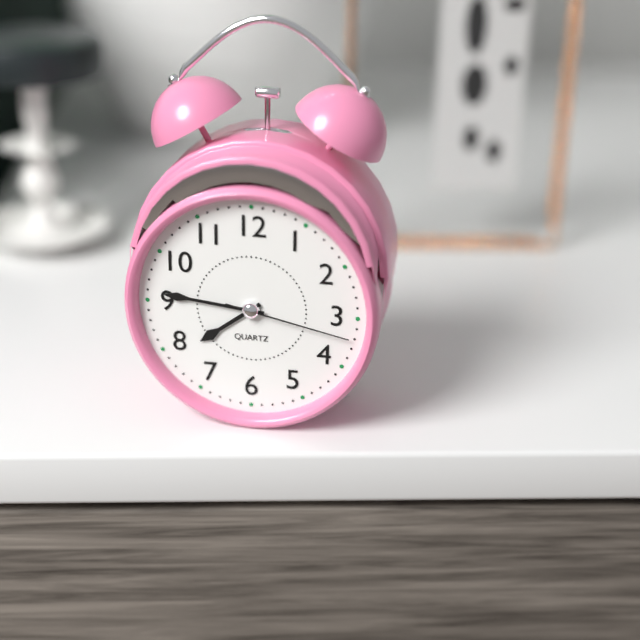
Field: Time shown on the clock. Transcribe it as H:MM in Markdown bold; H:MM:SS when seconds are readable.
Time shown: **7:46:17**
